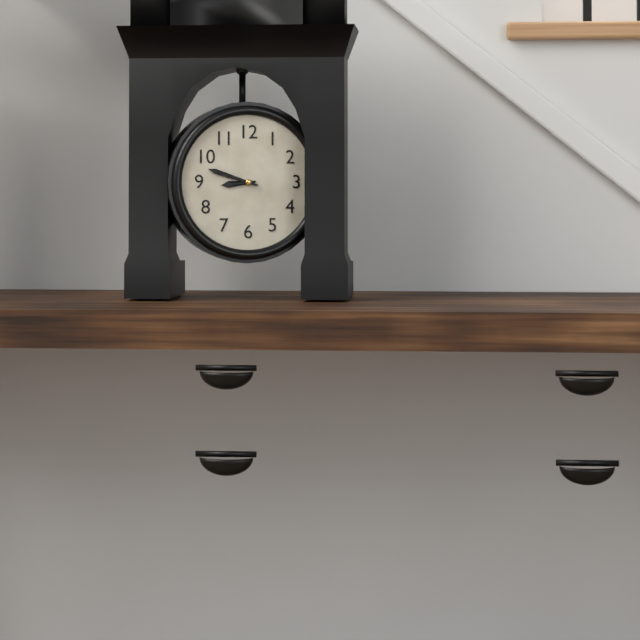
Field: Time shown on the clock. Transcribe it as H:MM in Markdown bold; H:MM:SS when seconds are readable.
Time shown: **8:48**
